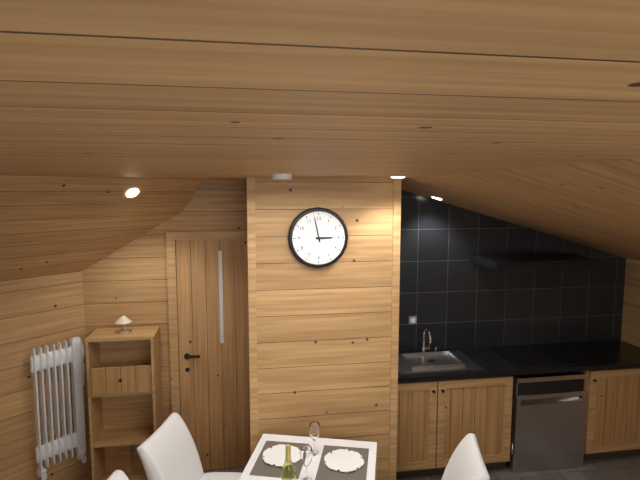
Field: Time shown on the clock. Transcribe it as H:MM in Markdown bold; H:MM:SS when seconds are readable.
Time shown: **2:58**
